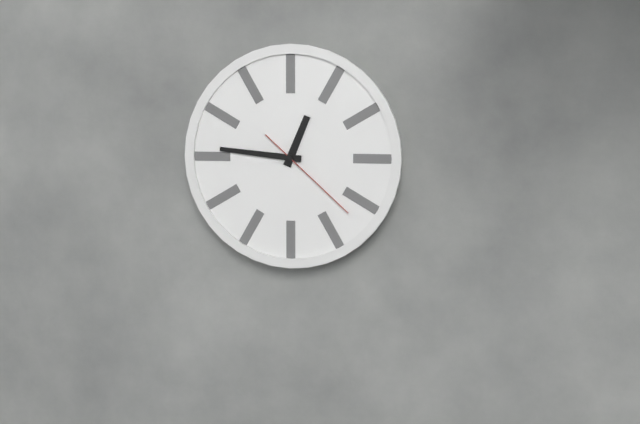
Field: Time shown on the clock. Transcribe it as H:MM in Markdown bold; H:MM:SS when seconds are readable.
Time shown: **12:46:22**
